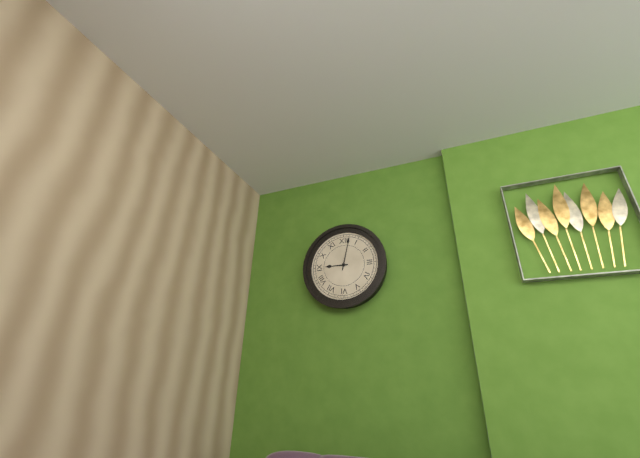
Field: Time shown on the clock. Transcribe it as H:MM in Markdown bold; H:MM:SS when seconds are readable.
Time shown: **9:02**
